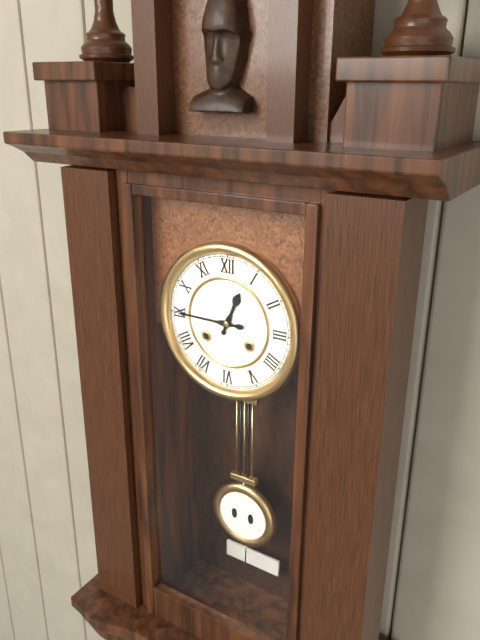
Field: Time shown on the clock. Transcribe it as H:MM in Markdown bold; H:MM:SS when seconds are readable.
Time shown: **12:45**
